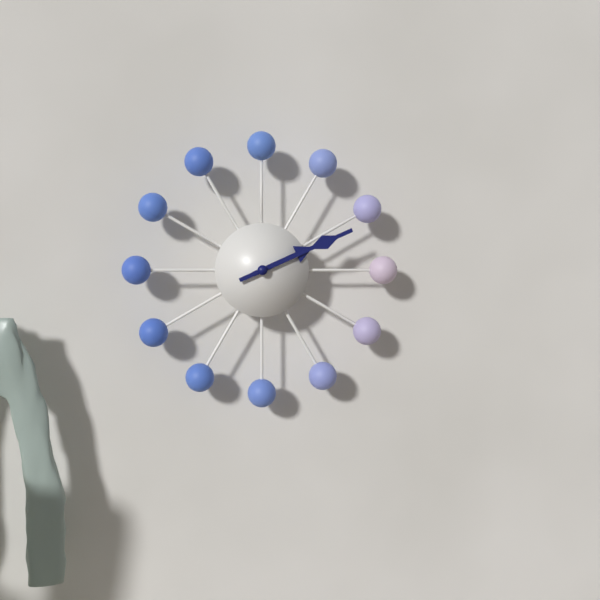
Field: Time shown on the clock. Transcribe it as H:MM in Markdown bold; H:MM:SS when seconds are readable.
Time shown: **2:11**
